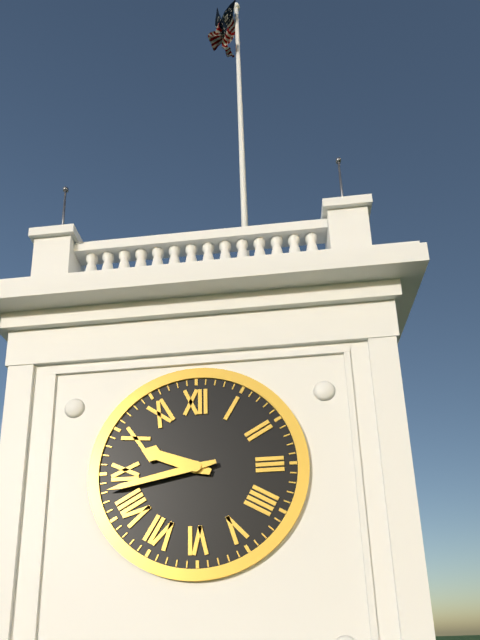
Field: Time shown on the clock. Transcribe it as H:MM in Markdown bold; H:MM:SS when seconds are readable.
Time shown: **9:43**
